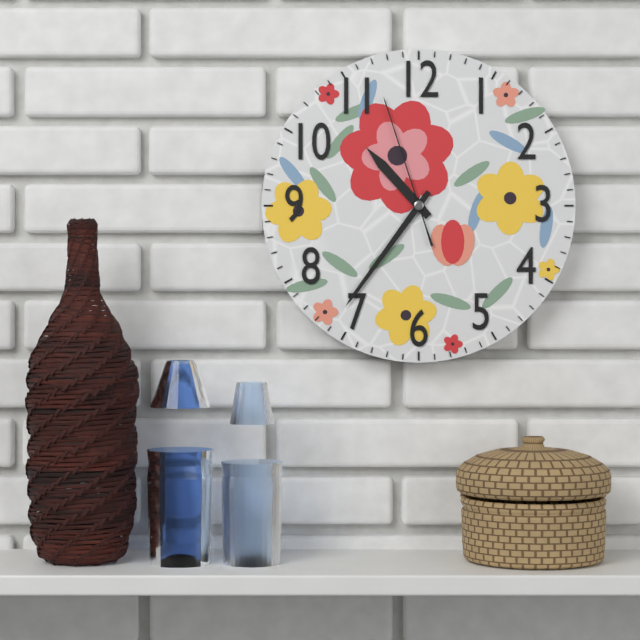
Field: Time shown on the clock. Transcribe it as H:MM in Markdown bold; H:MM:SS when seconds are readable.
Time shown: **10:36:57**
